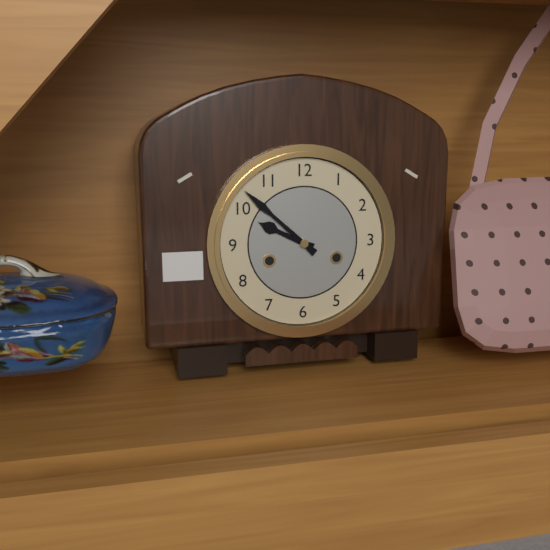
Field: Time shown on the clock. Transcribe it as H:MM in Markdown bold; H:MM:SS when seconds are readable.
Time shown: **9:52**
